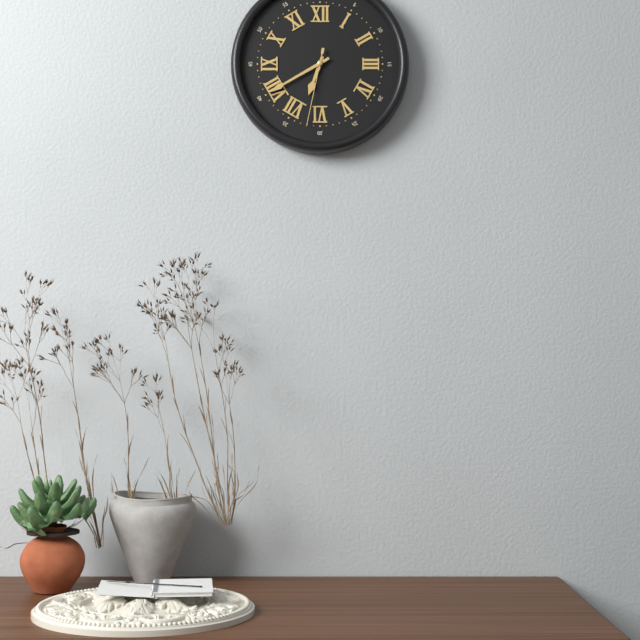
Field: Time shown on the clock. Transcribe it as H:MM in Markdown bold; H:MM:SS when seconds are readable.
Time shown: **6:40:32**
